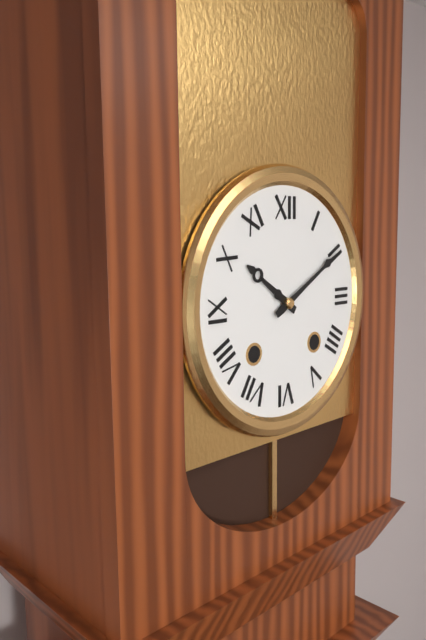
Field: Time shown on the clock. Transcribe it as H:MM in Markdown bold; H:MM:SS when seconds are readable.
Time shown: **10:10**
